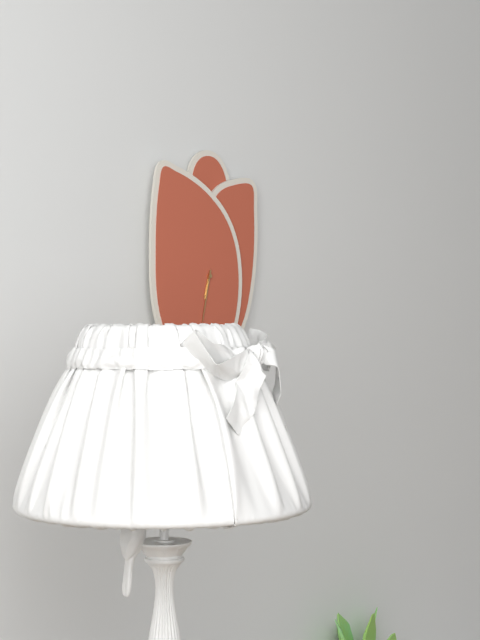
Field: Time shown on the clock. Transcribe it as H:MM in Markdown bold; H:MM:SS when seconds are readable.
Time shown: **6:32**
